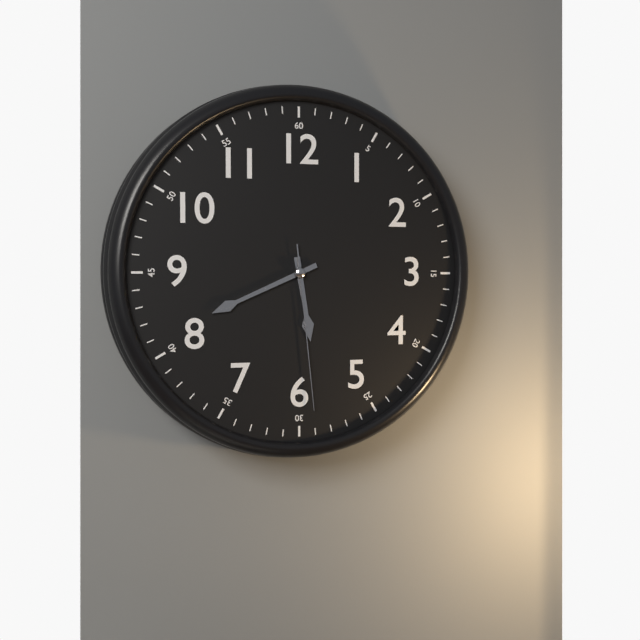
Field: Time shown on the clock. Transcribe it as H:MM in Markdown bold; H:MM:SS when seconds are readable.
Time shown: **5:41:29**
